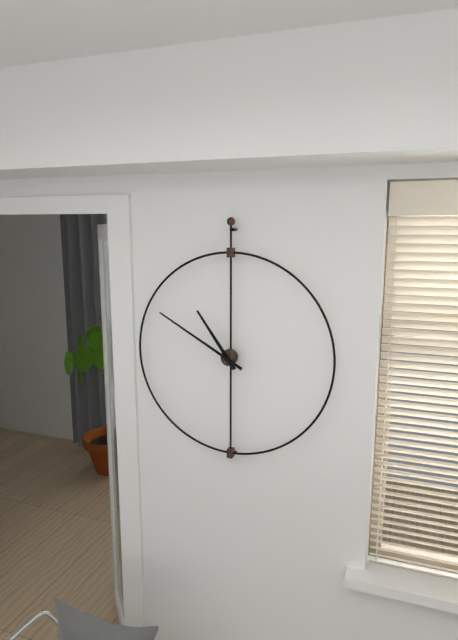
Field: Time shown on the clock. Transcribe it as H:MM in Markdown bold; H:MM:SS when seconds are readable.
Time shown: **10:50**
